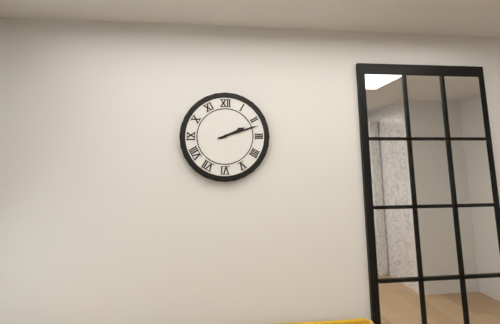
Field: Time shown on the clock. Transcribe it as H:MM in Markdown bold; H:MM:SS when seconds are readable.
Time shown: **2:12**
